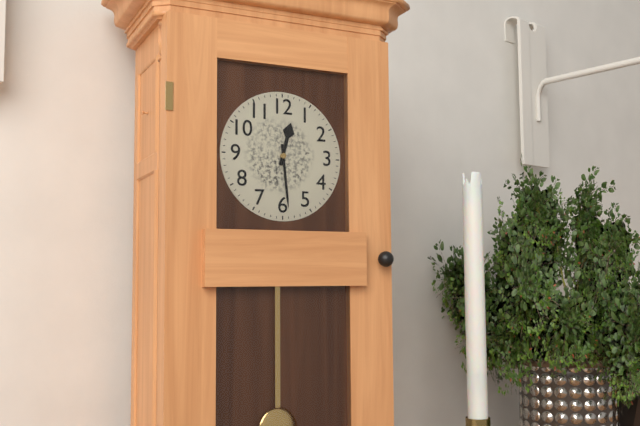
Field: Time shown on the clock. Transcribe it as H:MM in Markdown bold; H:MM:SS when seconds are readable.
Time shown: **12:29**
